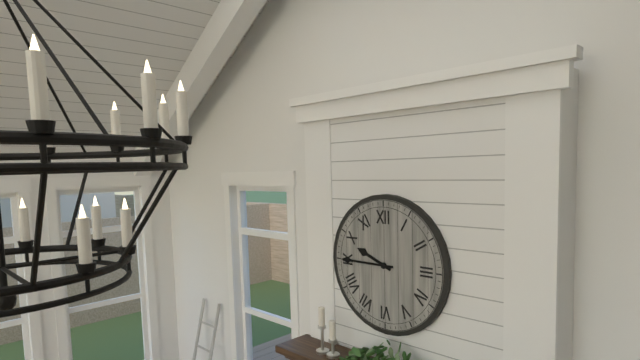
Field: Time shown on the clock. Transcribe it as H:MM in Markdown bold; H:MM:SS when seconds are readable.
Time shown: **9:45**
